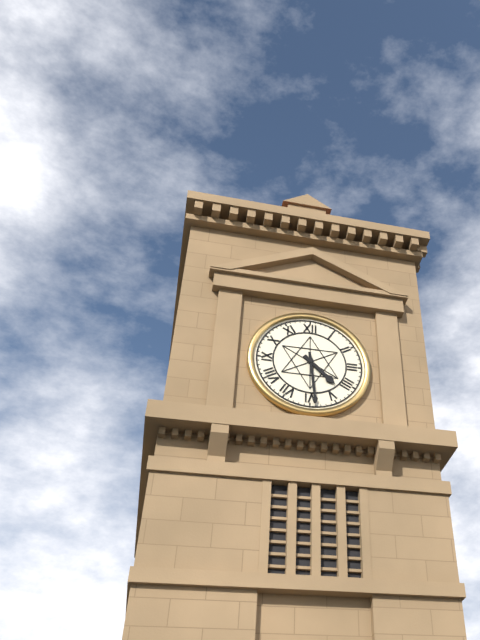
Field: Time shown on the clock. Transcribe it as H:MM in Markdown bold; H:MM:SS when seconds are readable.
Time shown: **4:29**
